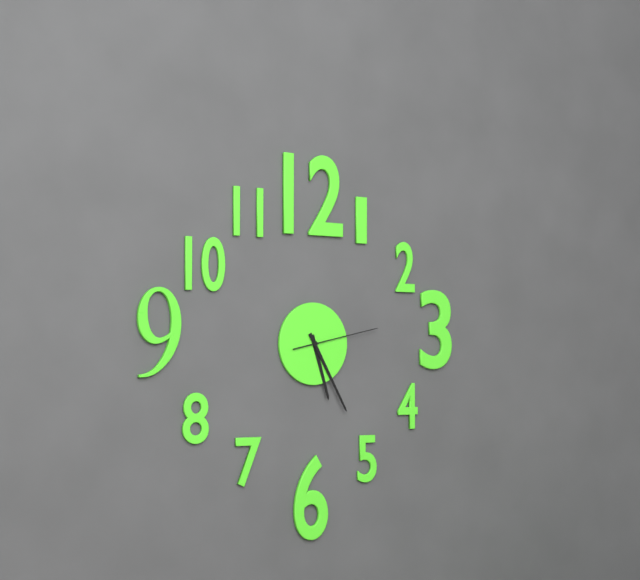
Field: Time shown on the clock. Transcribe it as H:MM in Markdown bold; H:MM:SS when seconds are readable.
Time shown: **5:25:13**
